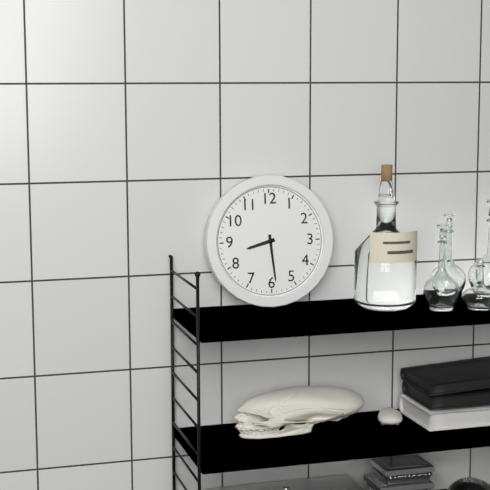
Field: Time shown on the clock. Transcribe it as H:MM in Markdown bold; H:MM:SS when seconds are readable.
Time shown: **8:29**
